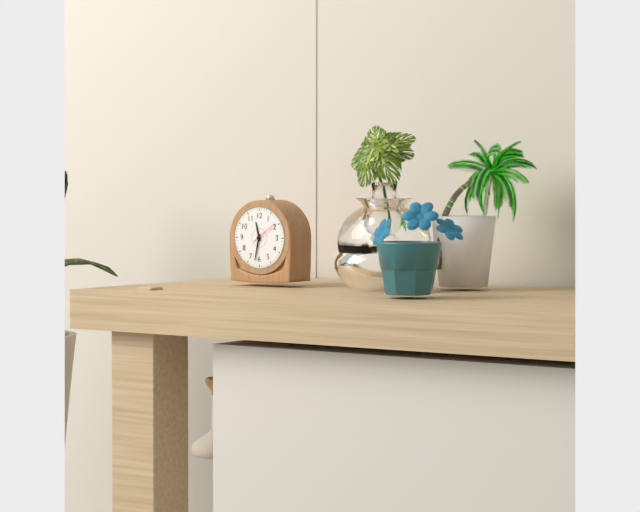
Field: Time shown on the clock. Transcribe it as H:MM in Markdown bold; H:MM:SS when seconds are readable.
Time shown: **11:32**
